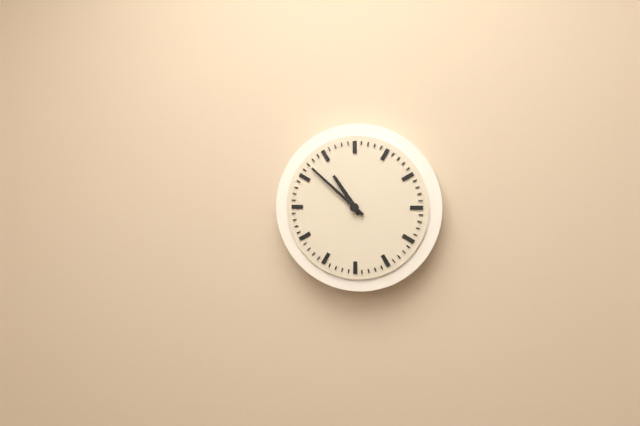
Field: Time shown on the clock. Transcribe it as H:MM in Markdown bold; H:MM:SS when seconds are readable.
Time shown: **10:52**
